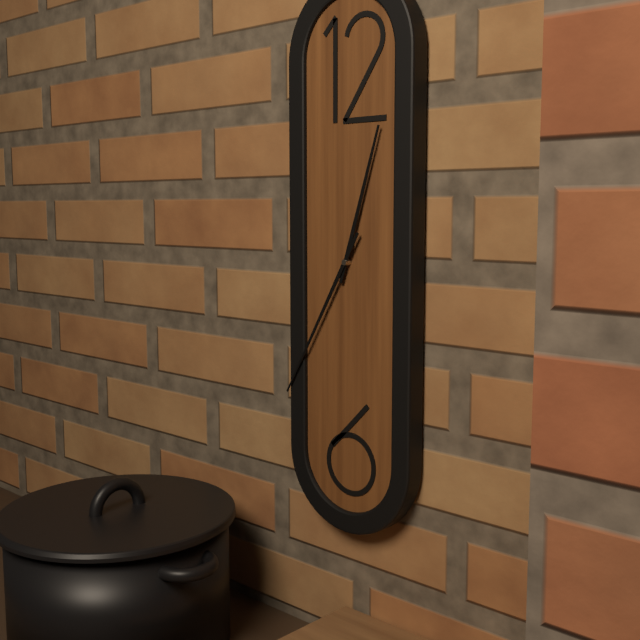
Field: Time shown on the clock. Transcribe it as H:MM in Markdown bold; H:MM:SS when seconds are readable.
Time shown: **12:35**
